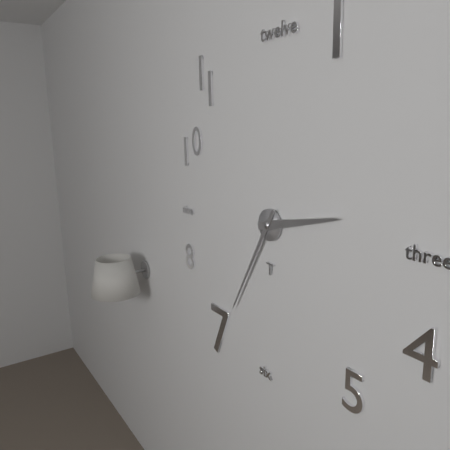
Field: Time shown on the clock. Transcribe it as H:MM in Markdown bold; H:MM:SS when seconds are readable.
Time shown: **2:35**
